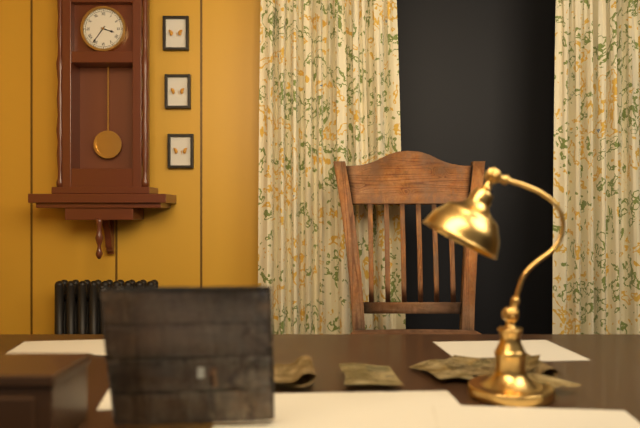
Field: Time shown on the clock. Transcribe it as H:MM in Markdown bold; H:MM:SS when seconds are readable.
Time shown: **3:36**
